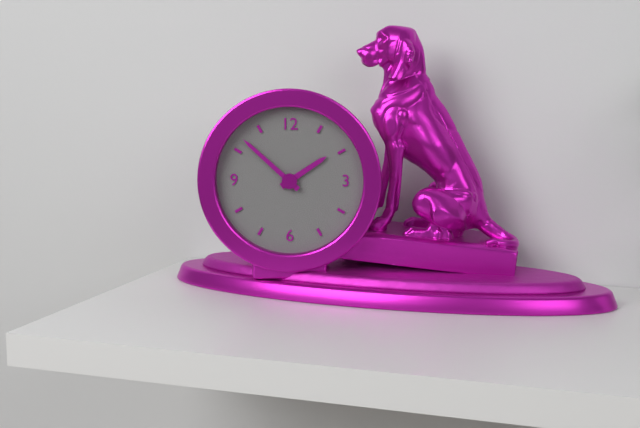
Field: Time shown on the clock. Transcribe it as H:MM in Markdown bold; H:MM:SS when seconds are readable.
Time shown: **1:52**
